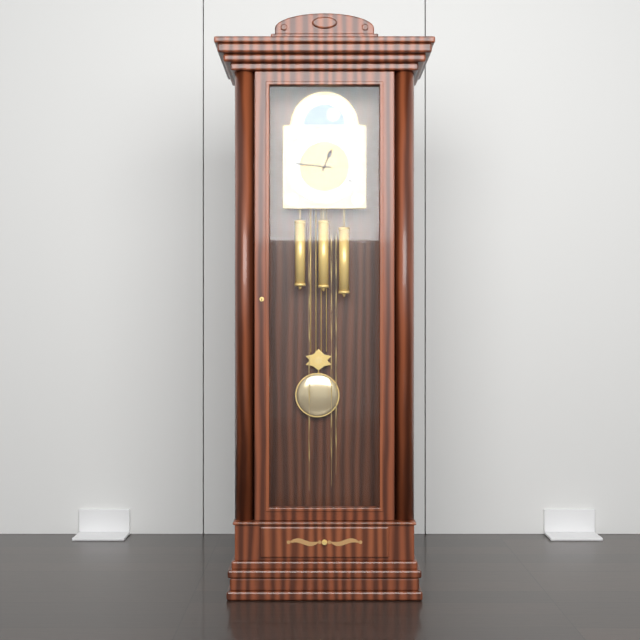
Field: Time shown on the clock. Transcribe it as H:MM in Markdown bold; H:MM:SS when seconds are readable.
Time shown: **12:46**
